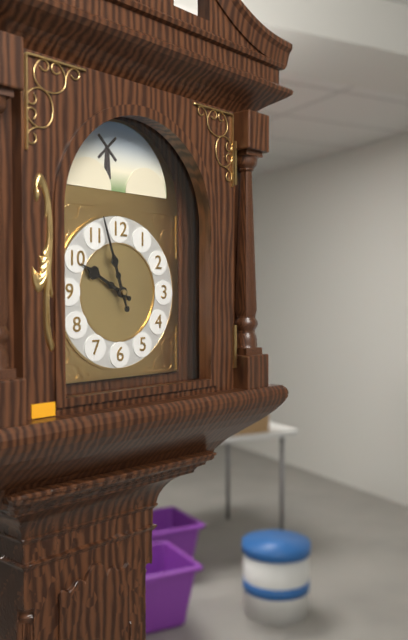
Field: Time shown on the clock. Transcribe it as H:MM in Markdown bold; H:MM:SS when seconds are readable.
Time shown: **9:57**
